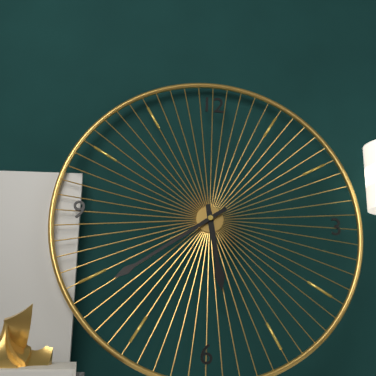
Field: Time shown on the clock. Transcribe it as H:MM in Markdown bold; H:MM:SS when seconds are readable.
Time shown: **5:39**
